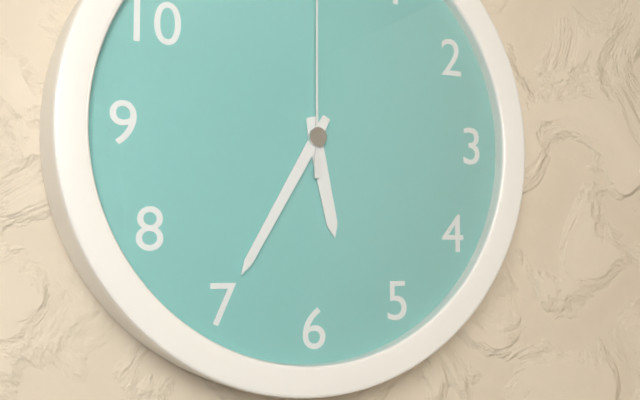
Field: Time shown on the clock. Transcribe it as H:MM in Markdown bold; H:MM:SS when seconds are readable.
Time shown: **5:35**
